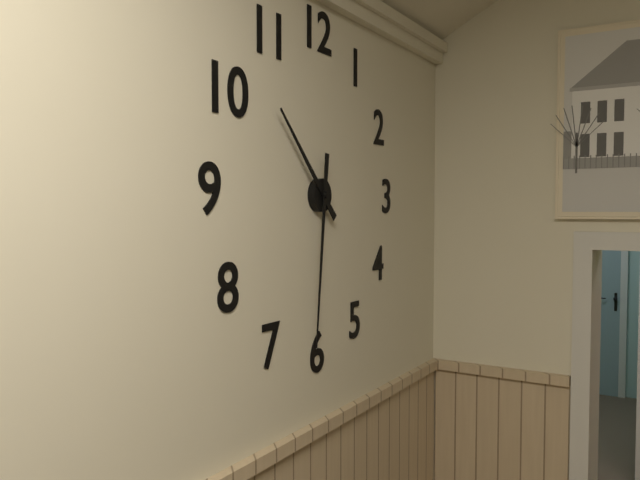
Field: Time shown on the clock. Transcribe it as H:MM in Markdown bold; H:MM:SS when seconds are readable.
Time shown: **10:31**
